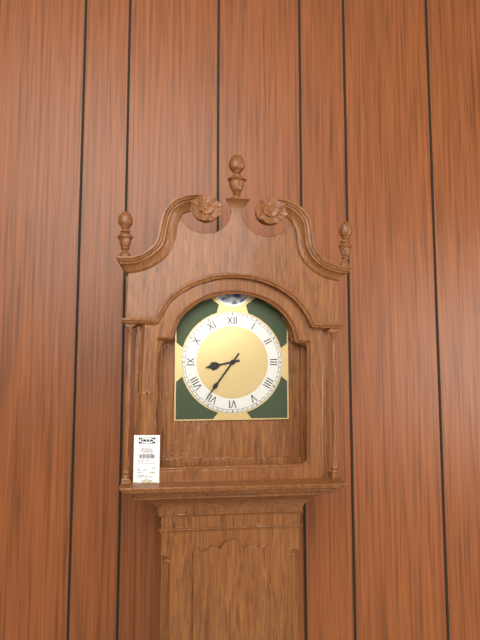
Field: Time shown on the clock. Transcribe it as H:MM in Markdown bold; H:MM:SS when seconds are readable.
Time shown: **8:36**
